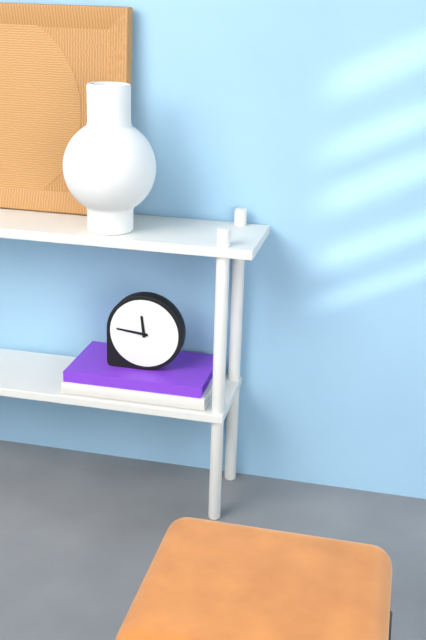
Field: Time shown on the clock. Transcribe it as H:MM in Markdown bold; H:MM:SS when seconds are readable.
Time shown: **11:46**
